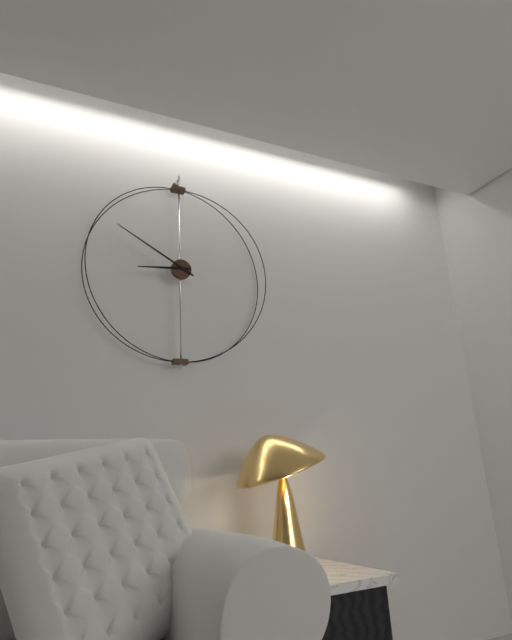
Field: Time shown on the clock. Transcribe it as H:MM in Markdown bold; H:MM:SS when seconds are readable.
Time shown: **8:50**
